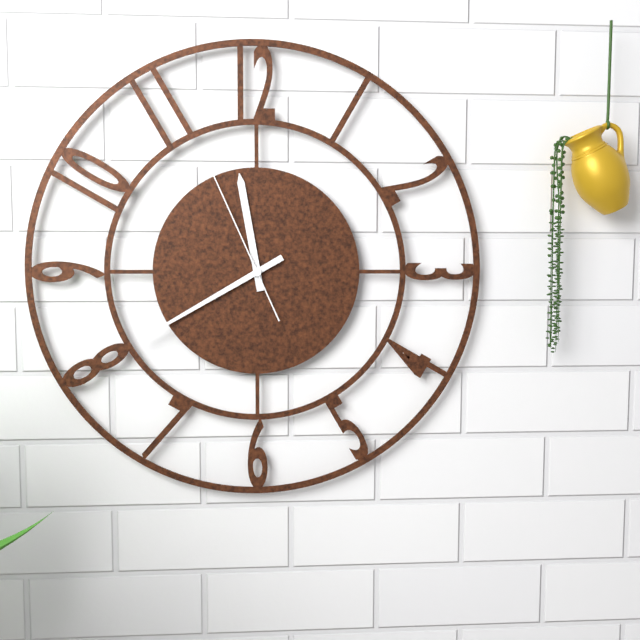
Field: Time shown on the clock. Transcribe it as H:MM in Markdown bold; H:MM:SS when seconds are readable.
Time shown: **11:40:56**
